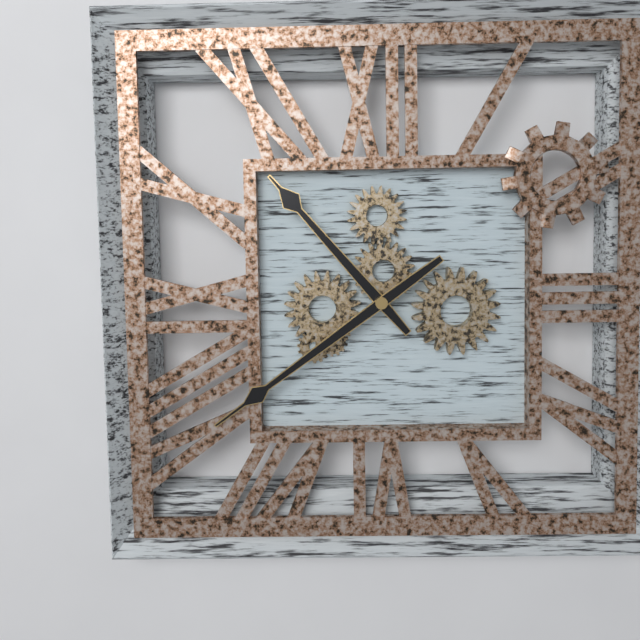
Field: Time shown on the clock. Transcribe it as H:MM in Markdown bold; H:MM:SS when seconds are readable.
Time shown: **10:39**
